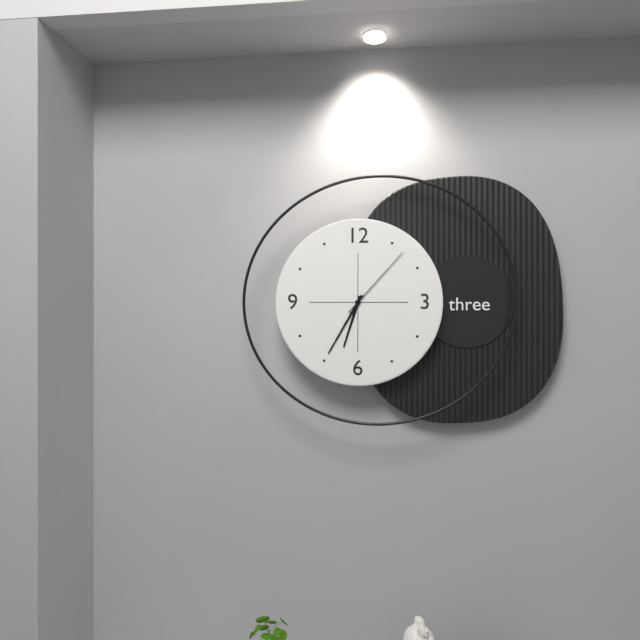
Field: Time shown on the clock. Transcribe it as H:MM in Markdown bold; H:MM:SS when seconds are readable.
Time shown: **6:35:07**
